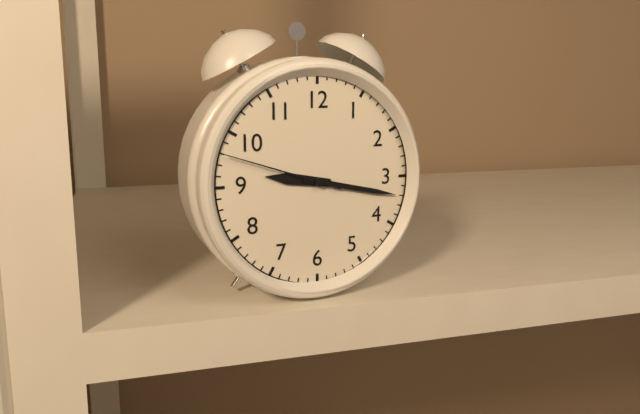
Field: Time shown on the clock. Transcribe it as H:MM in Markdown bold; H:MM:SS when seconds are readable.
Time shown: **9:17:48**
